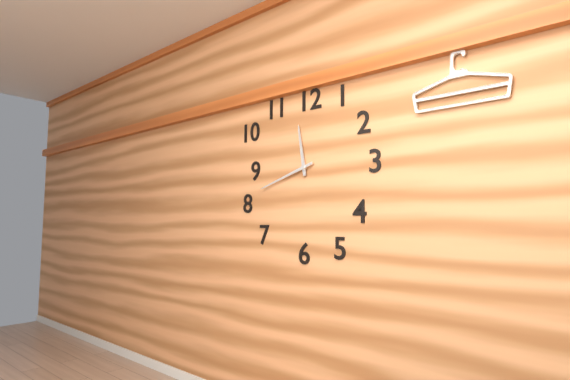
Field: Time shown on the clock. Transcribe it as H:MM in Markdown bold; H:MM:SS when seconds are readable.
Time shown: **11:42**
